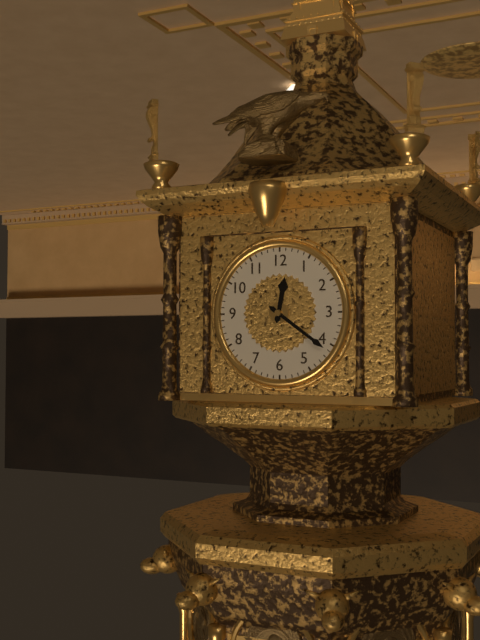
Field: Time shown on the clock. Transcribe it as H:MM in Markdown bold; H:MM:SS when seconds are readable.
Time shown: **12:21**
